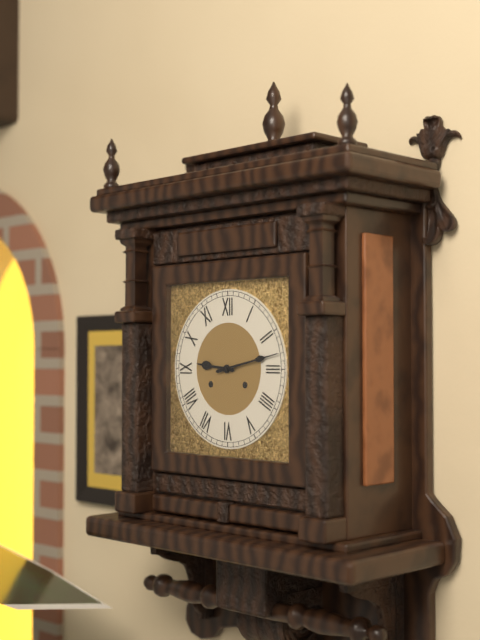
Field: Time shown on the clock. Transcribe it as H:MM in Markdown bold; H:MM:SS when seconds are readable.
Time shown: **9:13**
